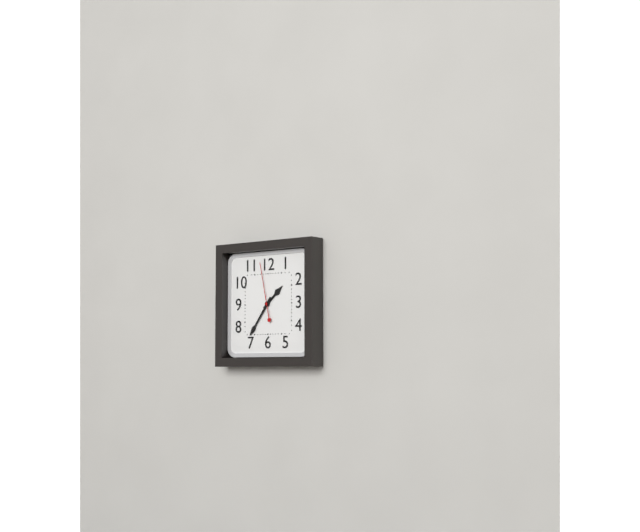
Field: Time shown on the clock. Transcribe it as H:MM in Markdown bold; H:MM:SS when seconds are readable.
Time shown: **1:36:58**
